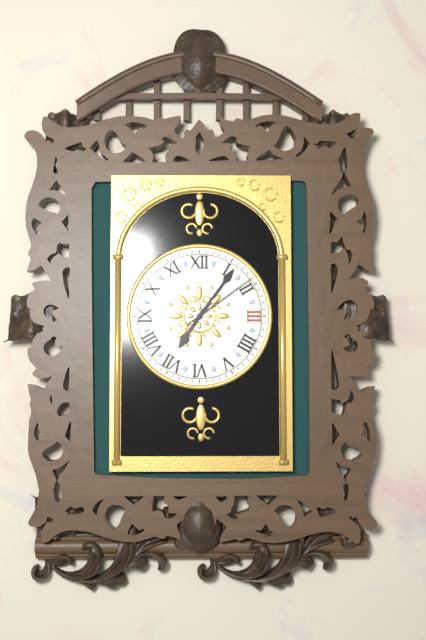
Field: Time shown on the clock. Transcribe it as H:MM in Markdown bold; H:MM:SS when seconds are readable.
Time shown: **7:06:09**
